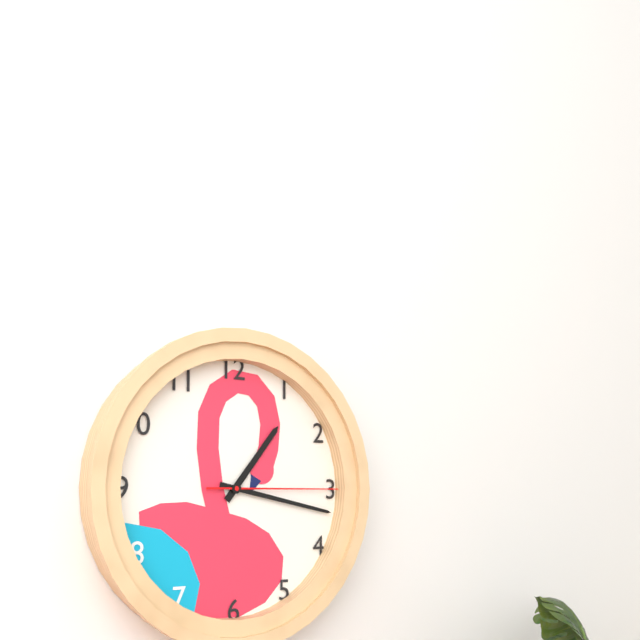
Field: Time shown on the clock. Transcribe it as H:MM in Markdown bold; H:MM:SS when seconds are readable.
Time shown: **1:17:15**
